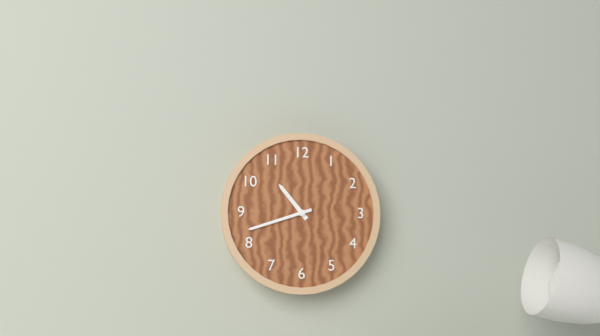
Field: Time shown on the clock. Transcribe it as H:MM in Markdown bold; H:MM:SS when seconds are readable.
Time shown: **10:42**
